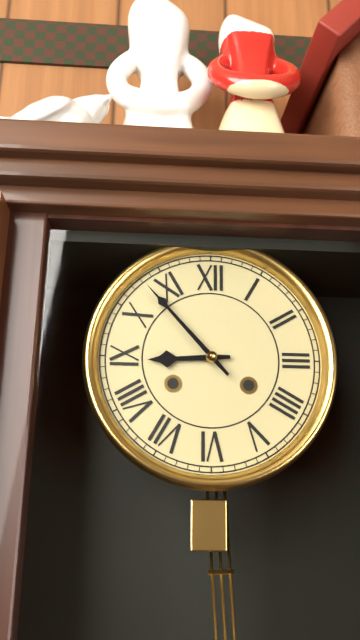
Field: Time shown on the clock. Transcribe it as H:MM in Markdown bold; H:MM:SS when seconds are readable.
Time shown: **8:53**
